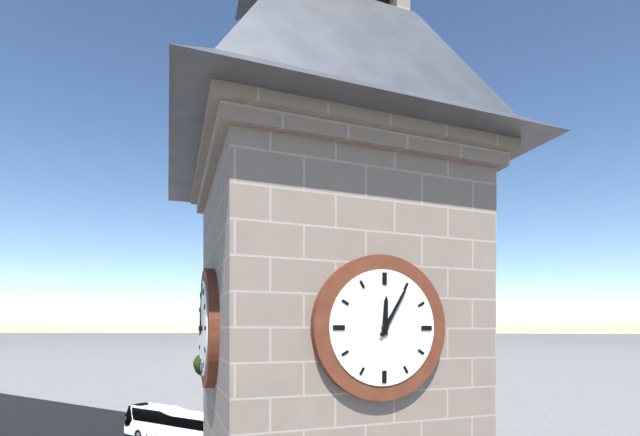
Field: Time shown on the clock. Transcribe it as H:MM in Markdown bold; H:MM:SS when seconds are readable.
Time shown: **12:05**
